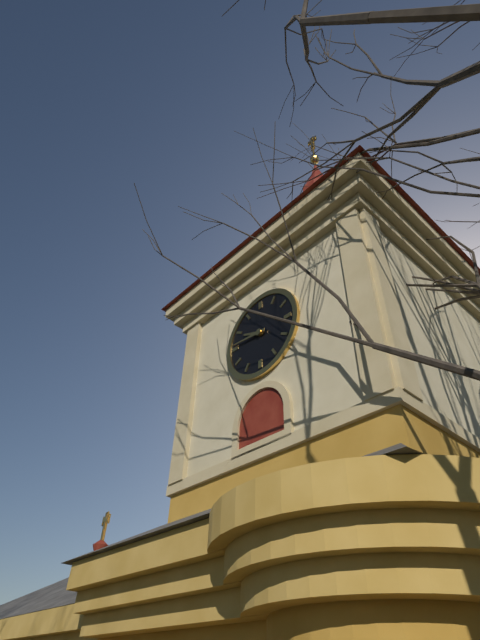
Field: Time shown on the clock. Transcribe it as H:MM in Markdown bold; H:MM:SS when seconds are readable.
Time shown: **9:46**
